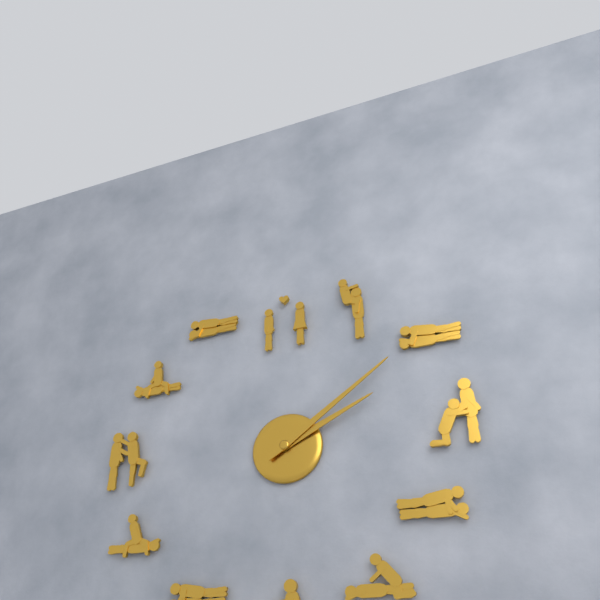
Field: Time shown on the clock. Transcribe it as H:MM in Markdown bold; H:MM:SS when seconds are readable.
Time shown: **2:09**
